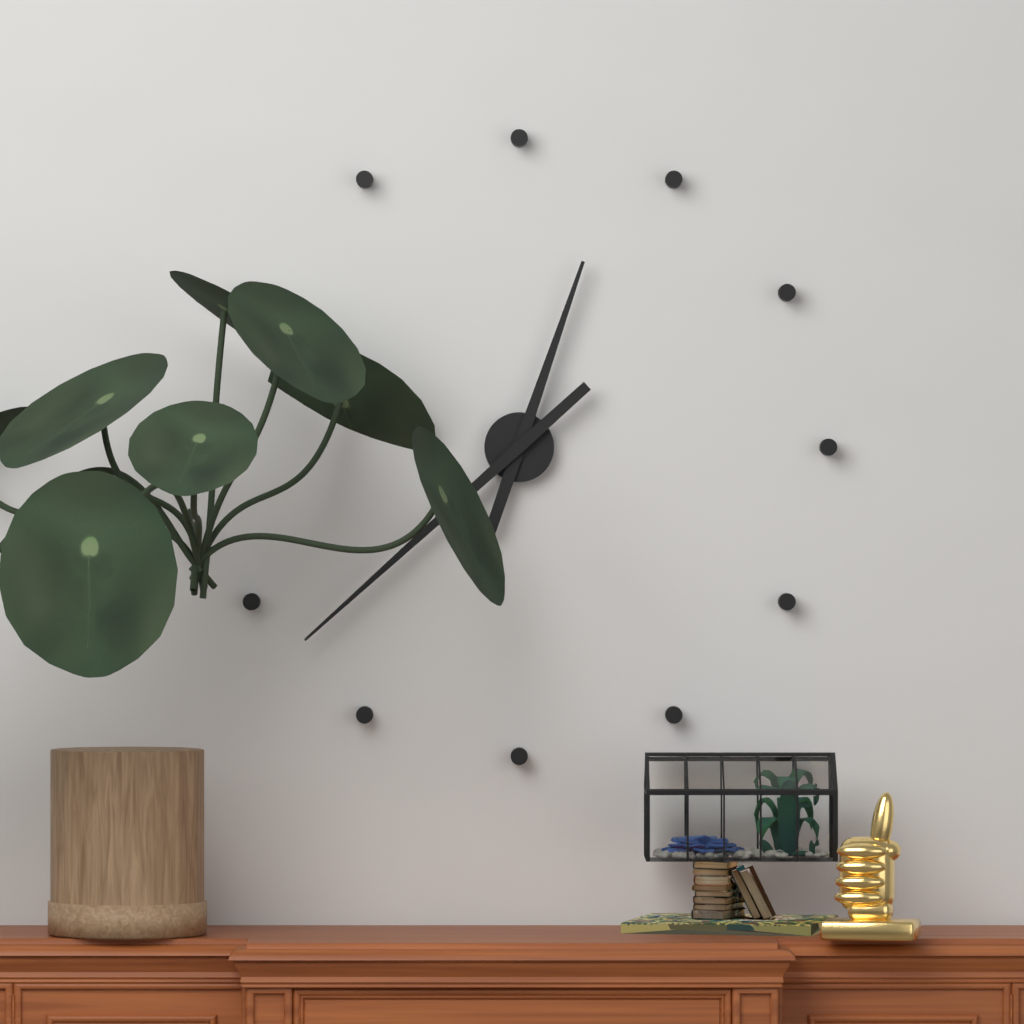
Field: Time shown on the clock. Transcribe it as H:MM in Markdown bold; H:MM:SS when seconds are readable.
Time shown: **12:38**
